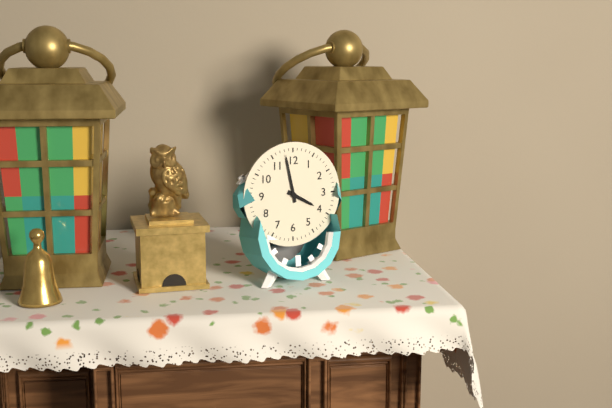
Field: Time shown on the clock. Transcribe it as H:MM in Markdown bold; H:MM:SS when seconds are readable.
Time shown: **3:58**
